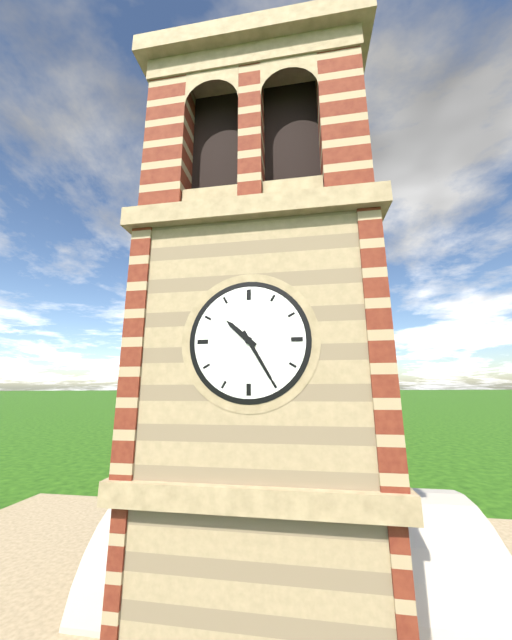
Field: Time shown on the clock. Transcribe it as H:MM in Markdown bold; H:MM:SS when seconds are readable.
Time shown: **10:25**
